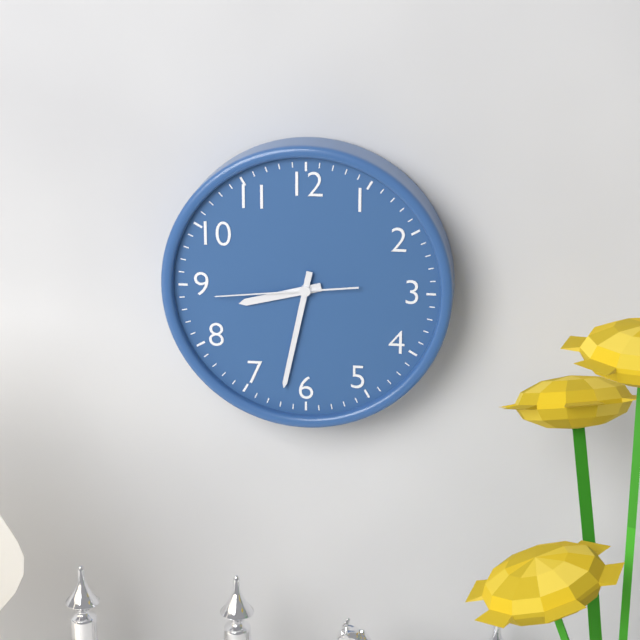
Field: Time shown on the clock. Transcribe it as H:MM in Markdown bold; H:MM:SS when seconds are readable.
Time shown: **8:32:44**
